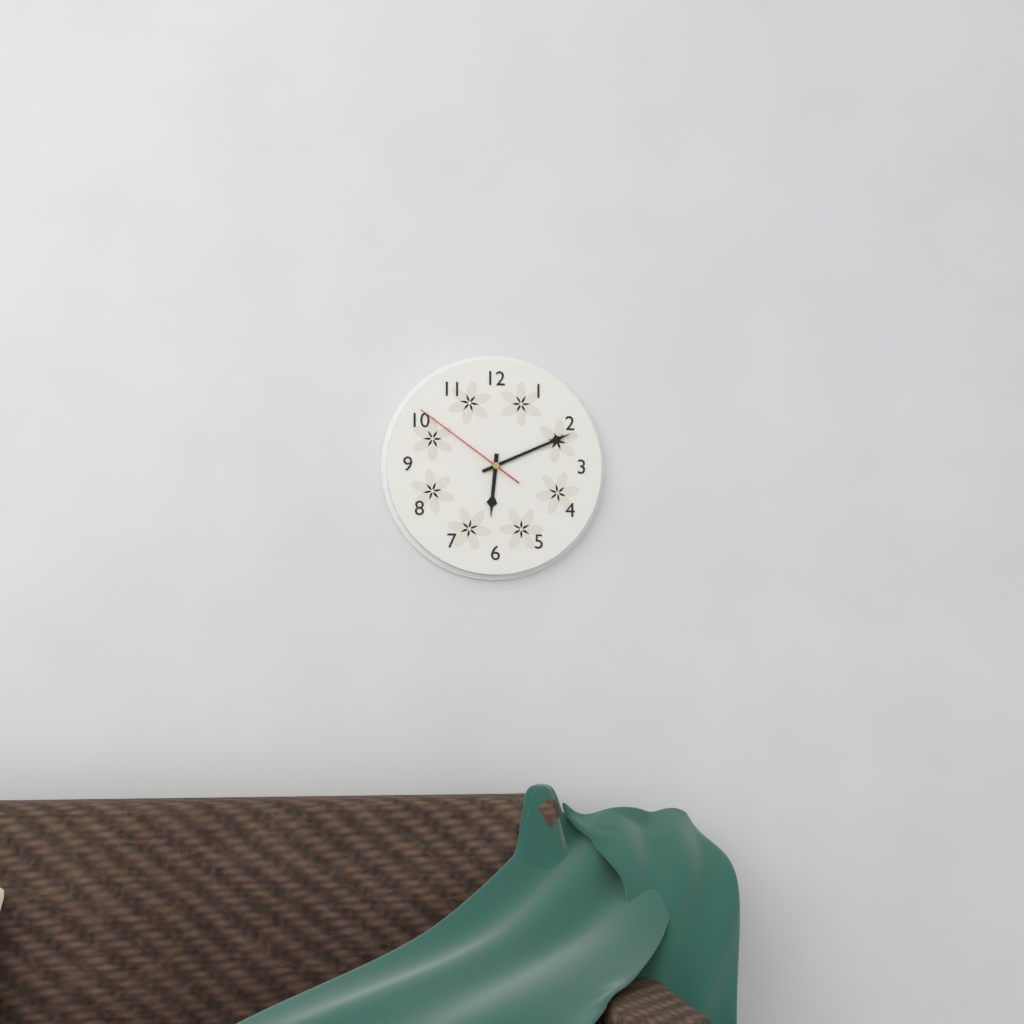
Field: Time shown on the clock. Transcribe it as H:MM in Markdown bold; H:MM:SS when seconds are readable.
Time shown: **6:11:51**
